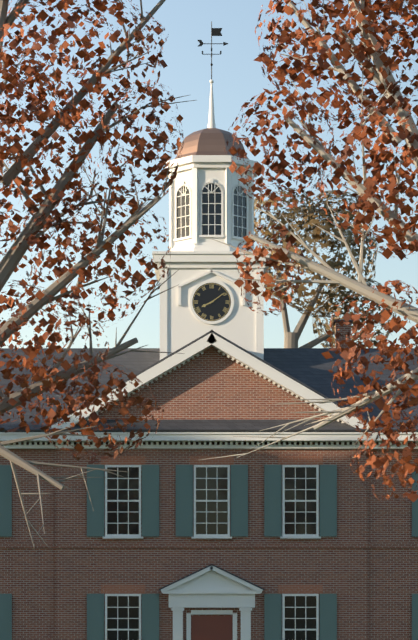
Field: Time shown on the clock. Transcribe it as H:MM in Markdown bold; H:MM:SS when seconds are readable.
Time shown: **8:09**
